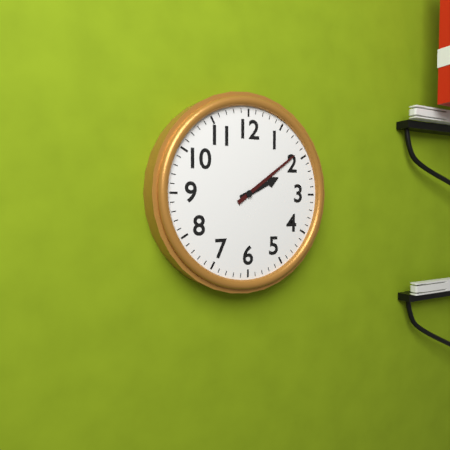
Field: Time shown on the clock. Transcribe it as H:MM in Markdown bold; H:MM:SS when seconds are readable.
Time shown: **2:09**
